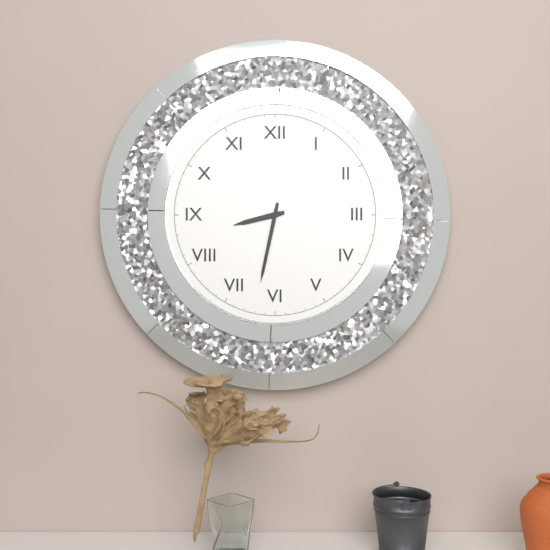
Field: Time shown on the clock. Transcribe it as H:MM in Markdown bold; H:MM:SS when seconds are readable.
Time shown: **8:32**
